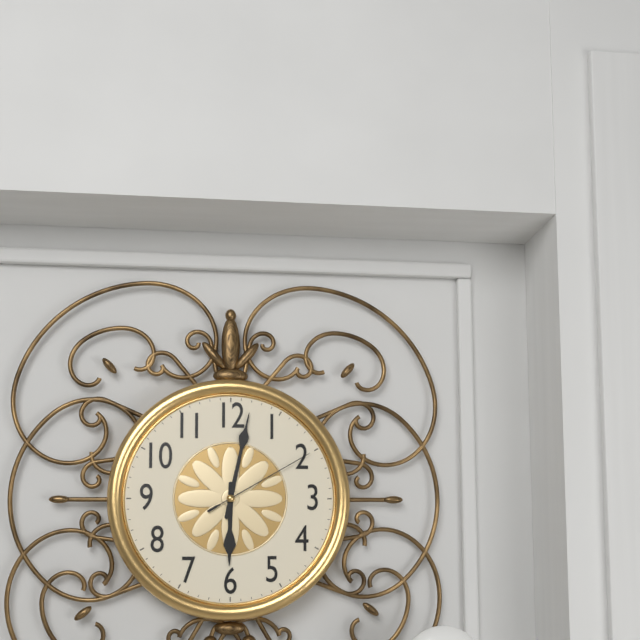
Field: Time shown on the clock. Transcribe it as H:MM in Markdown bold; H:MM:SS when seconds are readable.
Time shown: **6:02:10**
